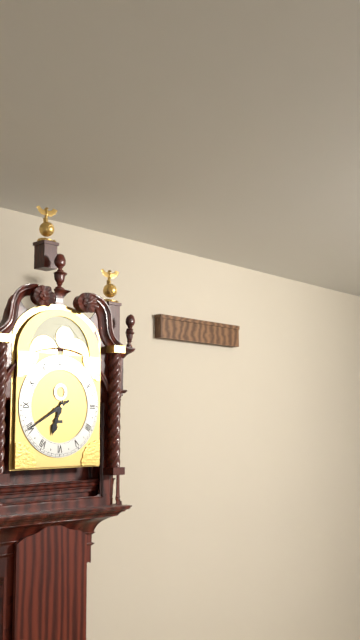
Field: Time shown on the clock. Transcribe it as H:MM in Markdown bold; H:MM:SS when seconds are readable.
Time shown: **6:40**
